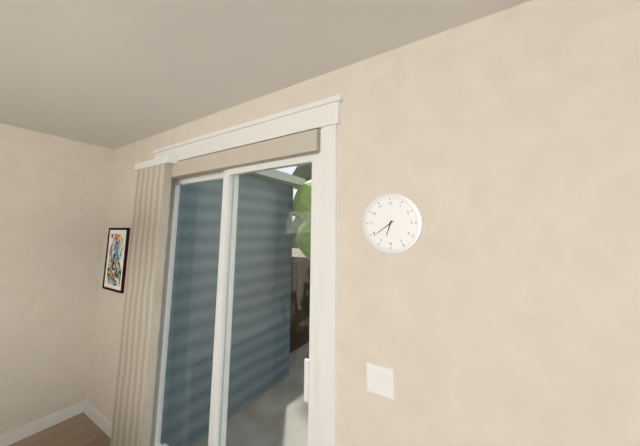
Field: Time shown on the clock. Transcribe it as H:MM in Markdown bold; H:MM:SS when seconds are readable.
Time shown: **6:39**
